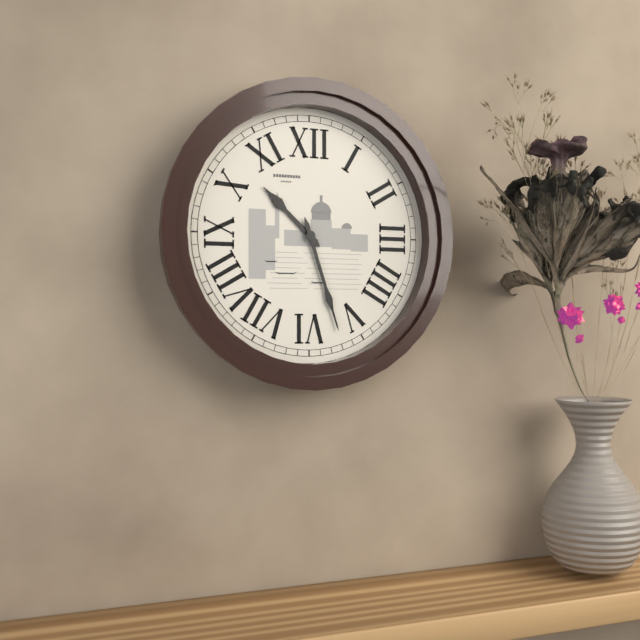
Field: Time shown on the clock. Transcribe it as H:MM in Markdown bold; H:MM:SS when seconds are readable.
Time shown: **10:27**
